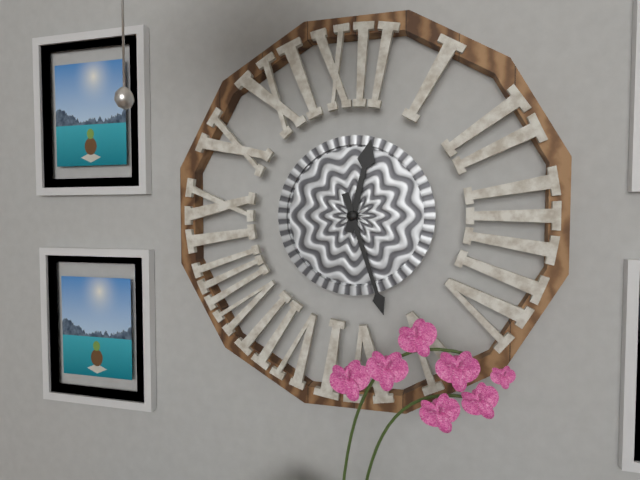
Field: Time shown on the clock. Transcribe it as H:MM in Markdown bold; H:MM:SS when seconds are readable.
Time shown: **12:27**
